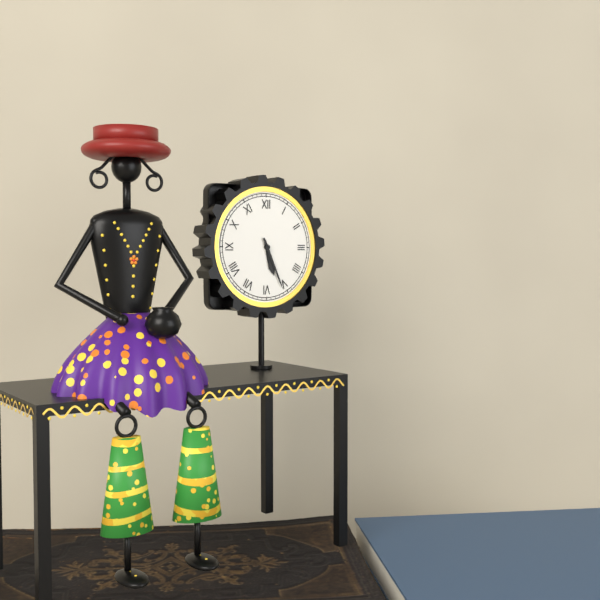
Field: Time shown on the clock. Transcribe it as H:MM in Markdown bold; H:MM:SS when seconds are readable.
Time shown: **5:26**
